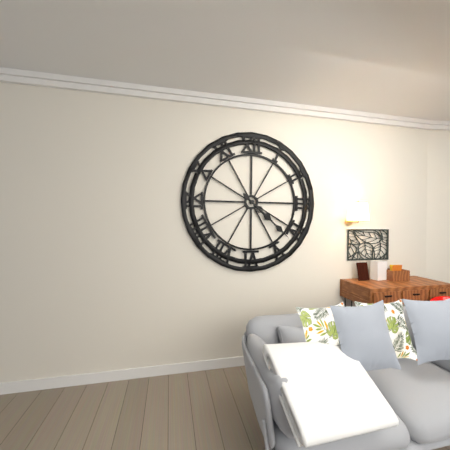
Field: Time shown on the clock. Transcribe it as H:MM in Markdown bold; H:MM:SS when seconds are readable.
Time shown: **4:22**
